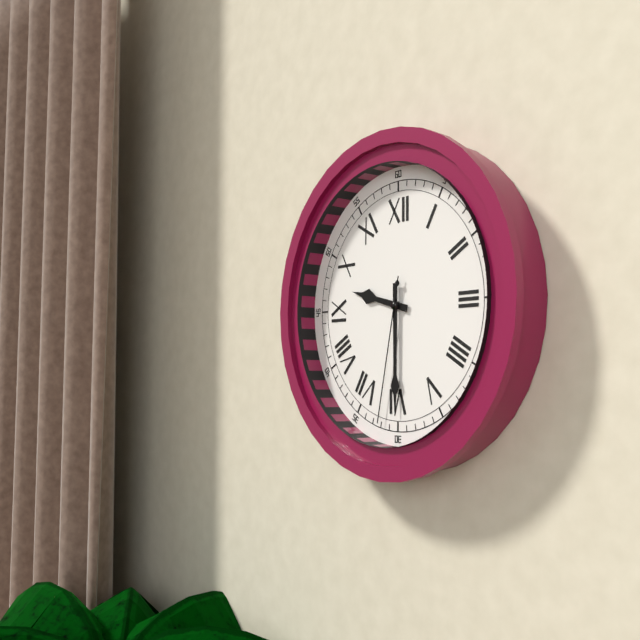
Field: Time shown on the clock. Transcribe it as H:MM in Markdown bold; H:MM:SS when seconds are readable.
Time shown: **9:30:32**
